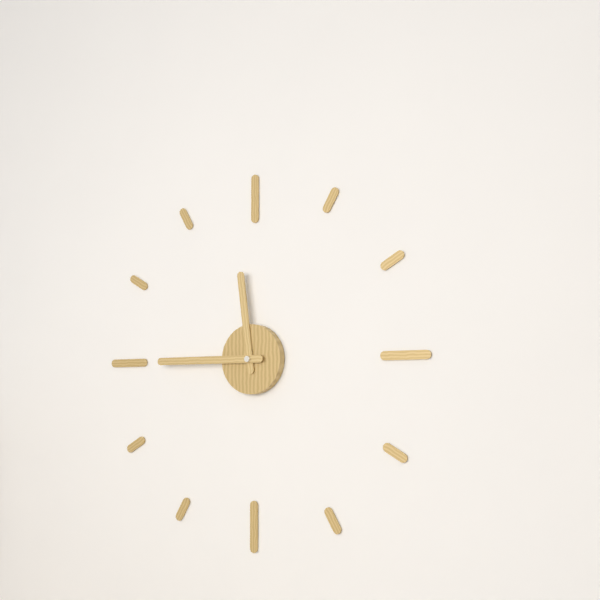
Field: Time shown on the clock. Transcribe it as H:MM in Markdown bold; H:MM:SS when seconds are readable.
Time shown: **11:45**
